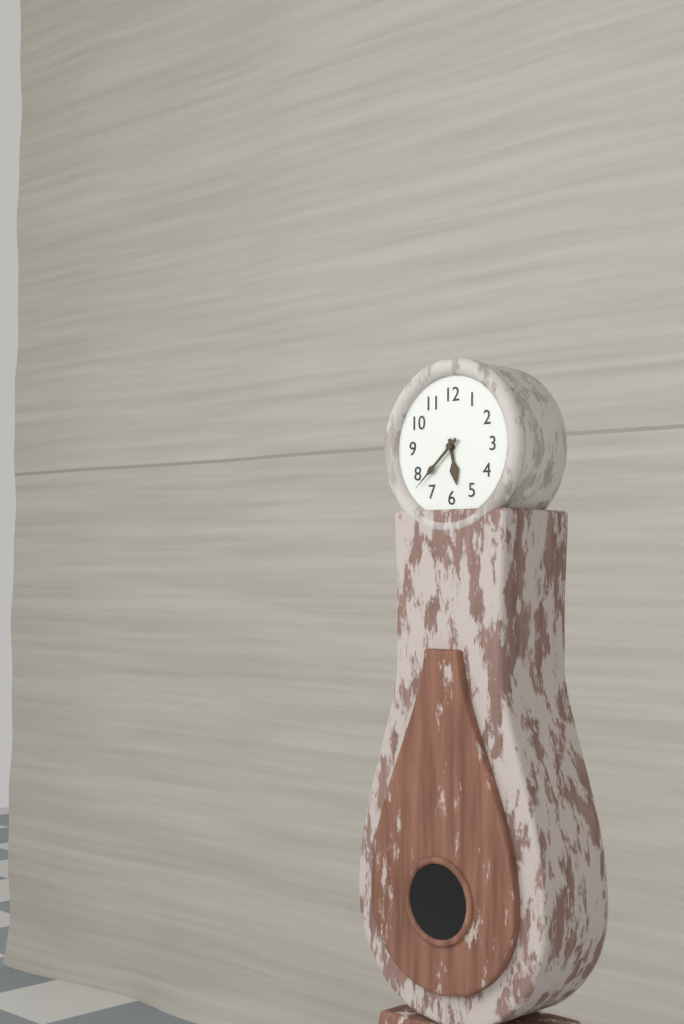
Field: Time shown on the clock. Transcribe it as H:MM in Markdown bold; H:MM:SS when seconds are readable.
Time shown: **5:38**
